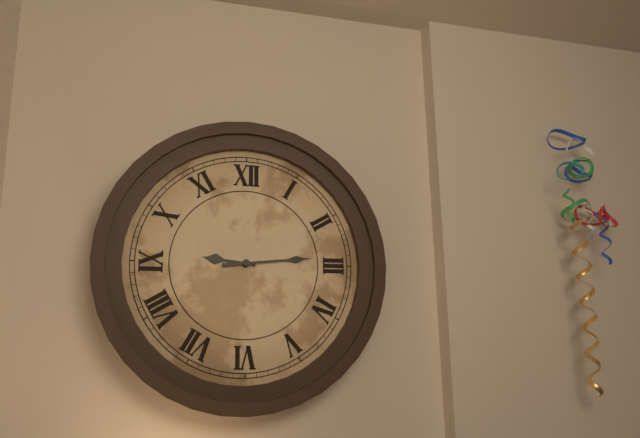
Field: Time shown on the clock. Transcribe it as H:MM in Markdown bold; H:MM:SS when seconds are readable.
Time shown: **9:14**
